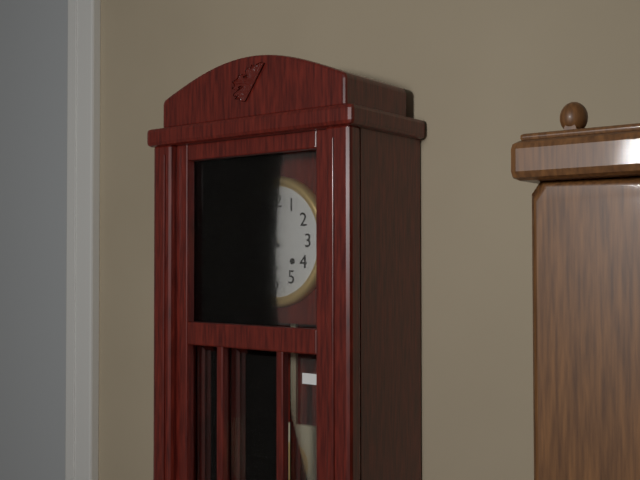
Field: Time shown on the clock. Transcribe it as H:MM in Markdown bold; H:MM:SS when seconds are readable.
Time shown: **10:52**
